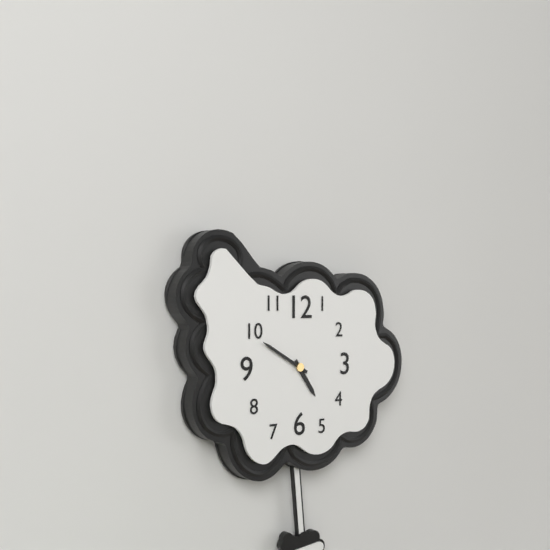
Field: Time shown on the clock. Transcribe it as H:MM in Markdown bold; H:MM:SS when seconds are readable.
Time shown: **4:50**
